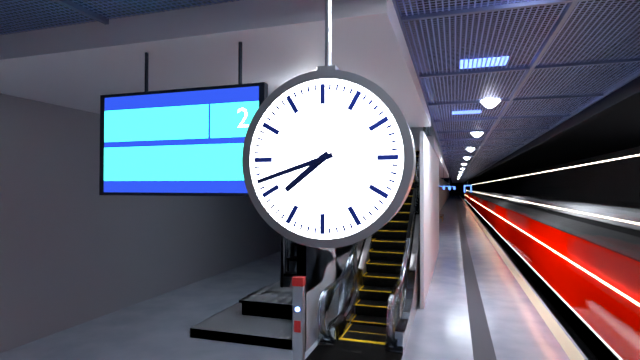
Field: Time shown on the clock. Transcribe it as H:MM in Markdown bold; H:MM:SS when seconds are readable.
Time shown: **7:42**
